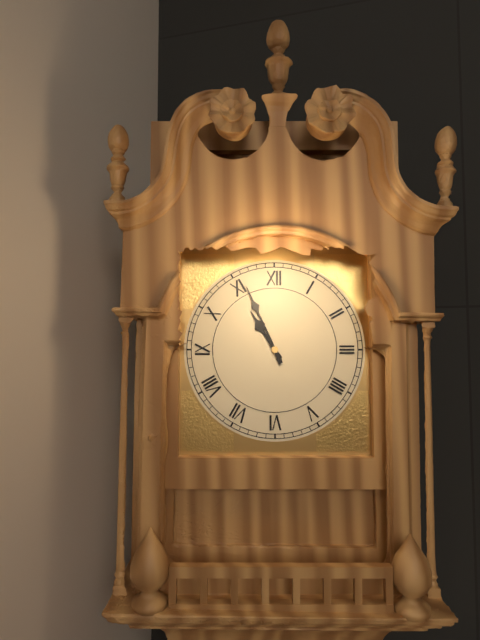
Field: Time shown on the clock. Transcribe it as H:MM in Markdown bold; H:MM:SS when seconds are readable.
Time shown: **10:56**
